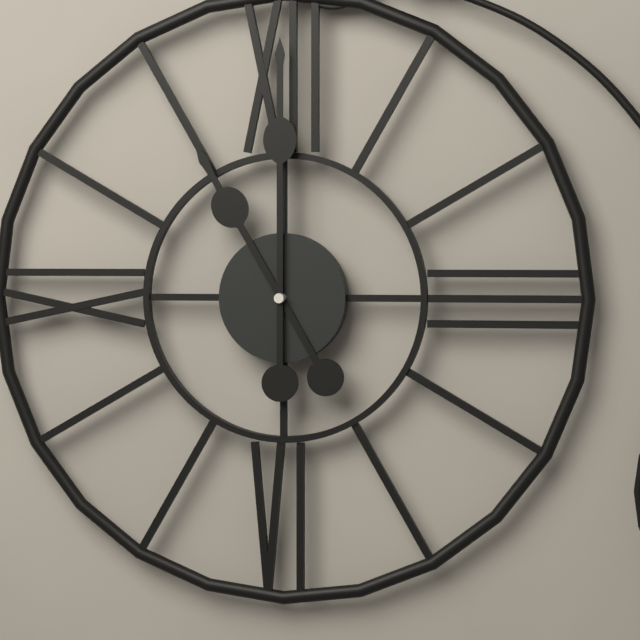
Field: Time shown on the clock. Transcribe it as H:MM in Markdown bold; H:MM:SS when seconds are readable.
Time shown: **11:00**
